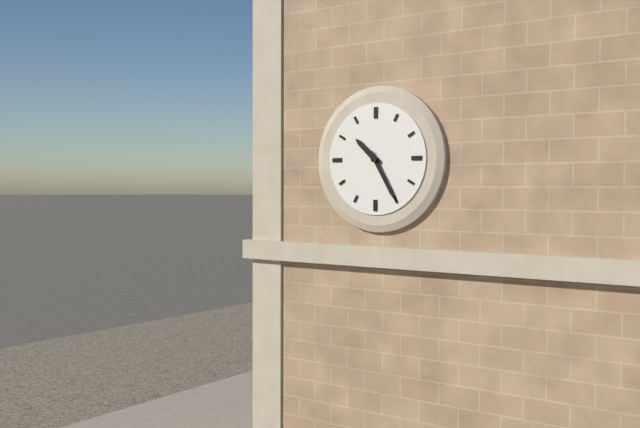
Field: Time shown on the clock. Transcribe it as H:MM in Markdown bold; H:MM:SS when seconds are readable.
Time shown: **10:25**
